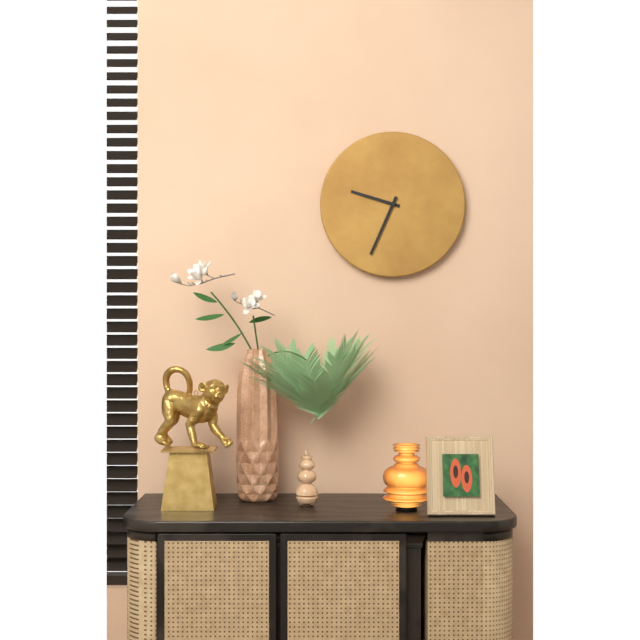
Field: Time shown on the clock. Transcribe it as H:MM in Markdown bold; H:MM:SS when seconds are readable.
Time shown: **9:34**
